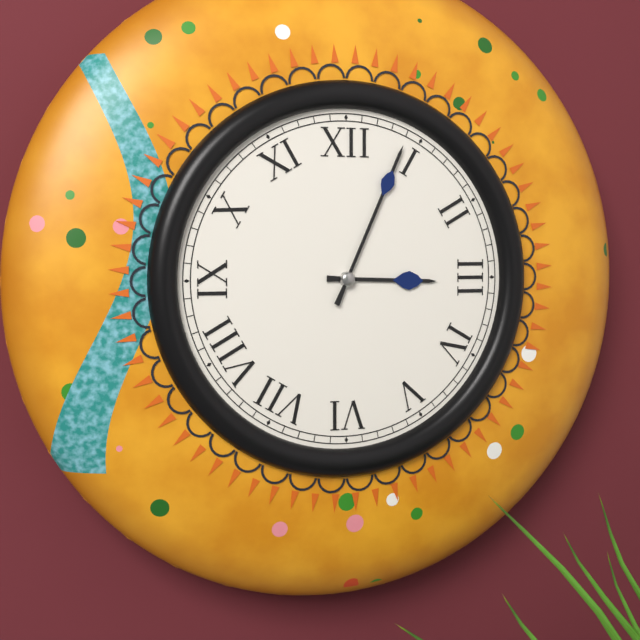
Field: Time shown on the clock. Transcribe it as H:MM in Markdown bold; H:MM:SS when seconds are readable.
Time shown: **3:04**
